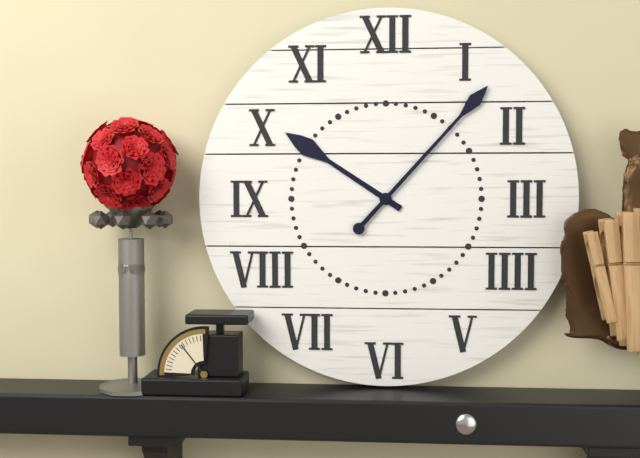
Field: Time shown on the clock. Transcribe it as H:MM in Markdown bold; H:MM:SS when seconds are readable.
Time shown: **10:07**
